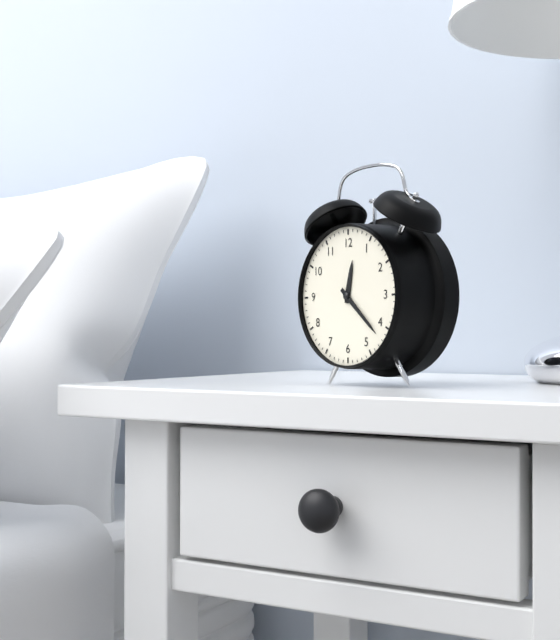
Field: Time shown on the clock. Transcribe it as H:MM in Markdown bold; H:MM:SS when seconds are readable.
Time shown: **12:22**
